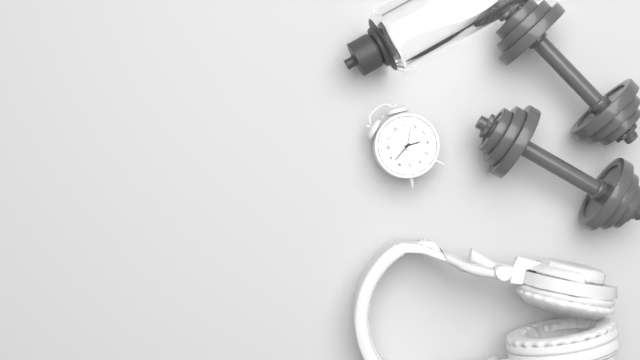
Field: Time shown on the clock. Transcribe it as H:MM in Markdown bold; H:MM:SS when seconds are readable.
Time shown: **3:43**
